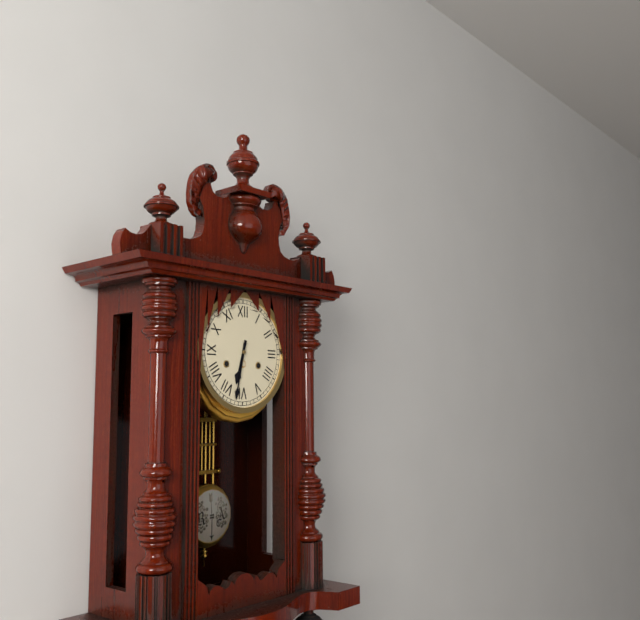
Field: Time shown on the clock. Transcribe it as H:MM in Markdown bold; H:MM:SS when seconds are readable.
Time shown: **6:32**
